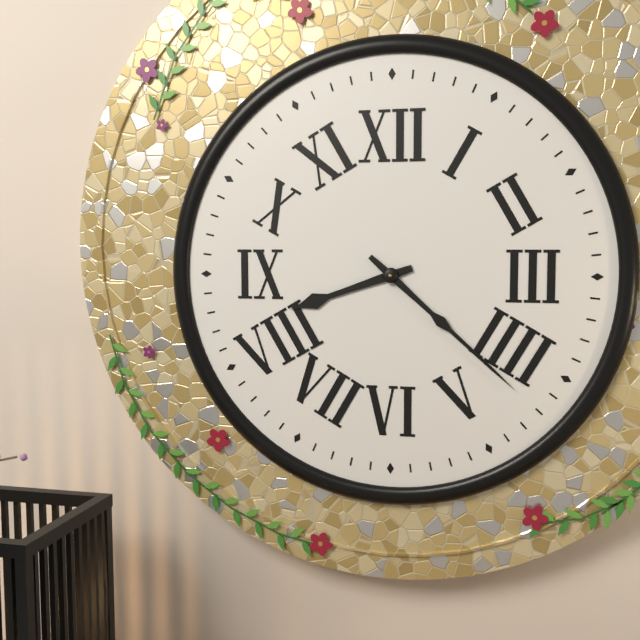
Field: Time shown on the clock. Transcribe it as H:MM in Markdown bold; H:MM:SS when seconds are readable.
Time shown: **8:22**
